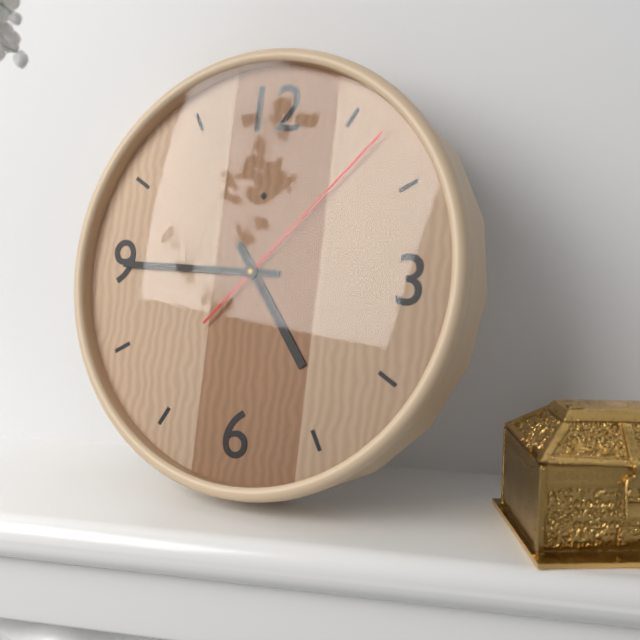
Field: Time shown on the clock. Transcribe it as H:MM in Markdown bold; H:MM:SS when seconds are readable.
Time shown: **4:45:07**
